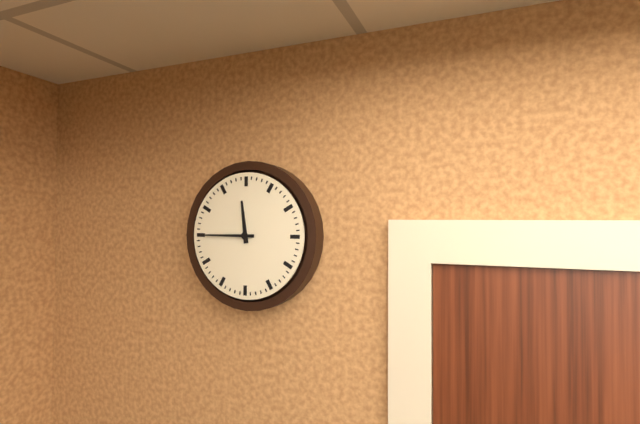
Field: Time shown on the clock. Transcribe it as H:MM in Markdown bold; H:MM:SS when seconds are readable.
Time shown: **11:45**
